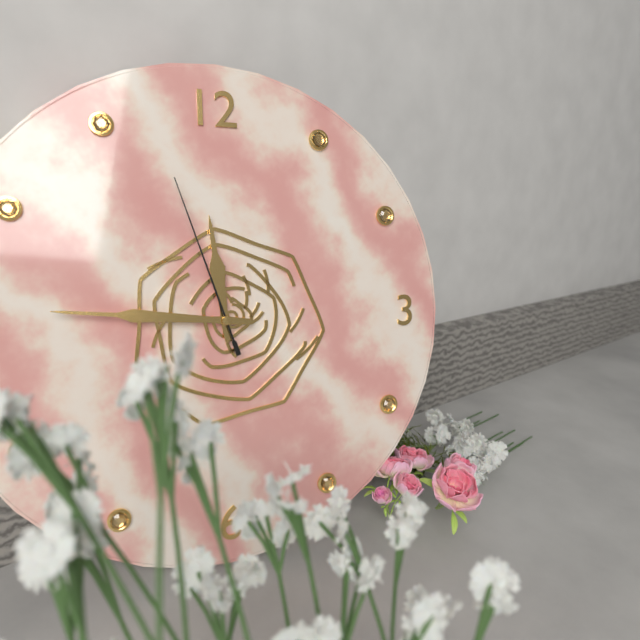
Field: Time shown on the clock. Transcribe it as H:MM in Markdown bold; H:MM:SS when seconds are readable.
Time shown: **11:46:57**
